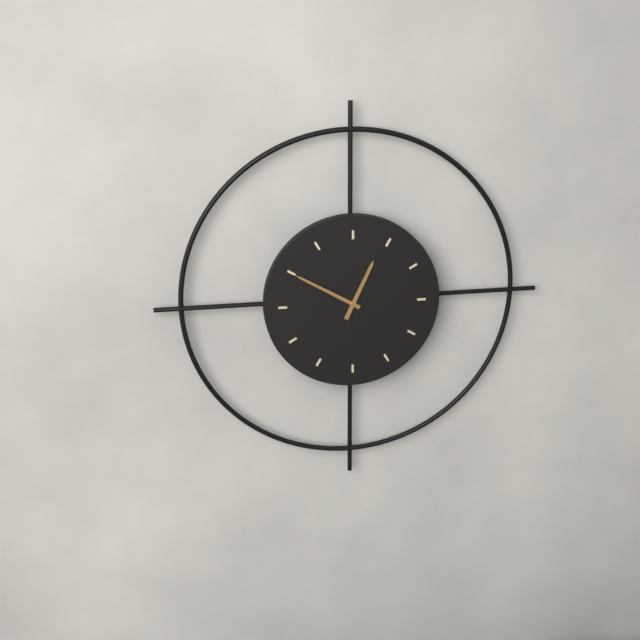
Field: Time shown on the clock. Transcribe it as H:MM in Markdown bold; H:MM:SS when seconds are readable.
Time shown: **12:50**
